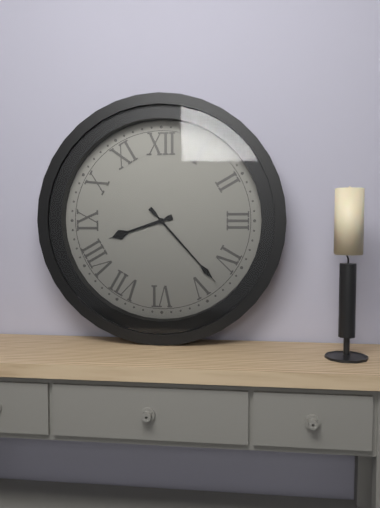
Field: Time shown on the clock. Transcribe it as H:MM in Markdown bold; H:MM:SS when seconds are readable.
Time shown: **8:23**
